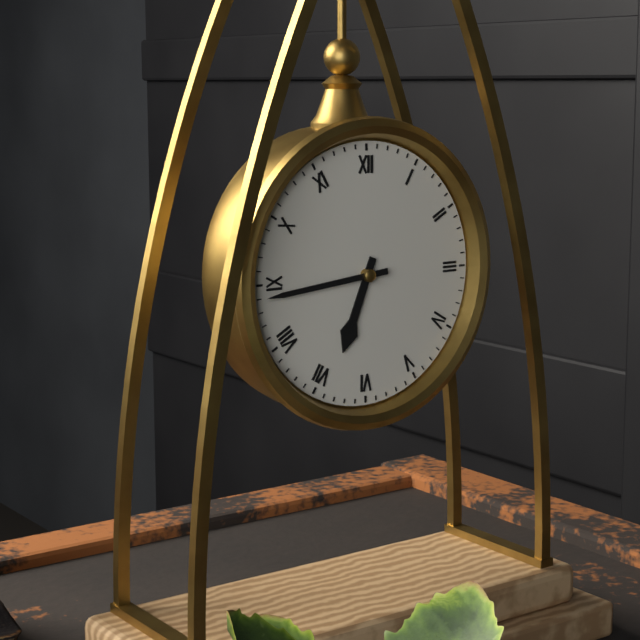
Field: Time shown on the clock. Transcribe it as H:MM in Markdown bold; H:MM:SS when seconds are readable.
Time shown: **6:44**
